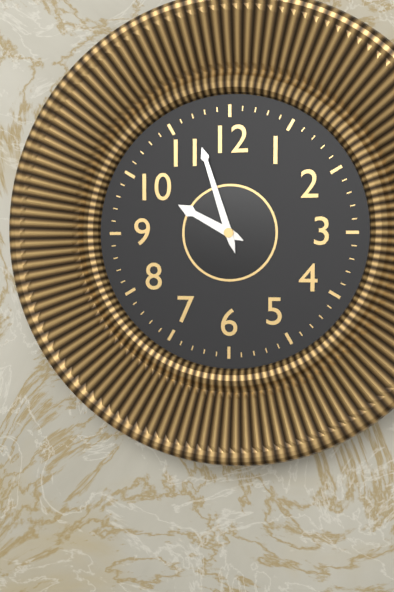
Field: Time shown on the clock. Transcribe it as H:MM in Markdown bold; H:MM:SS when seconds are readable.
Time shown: **9:57**
